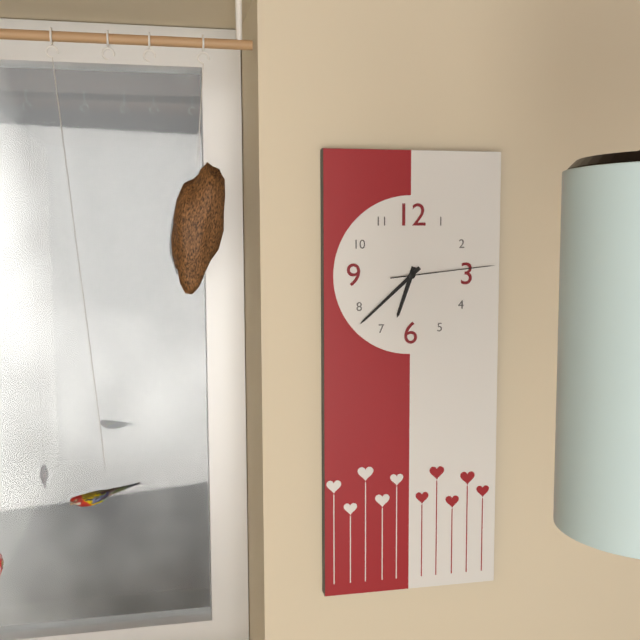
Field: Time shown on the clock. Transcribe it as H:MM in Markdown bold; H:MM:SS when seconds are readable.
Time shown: **6:38:14**
